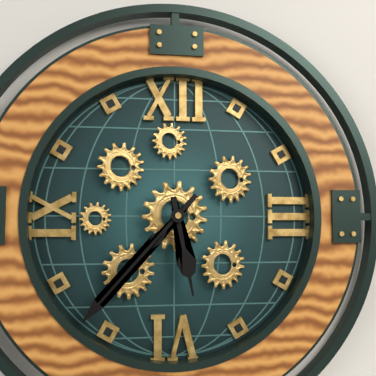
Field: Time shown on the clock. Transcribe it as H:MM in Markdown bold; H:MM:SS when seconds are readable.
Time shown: **5:37**
